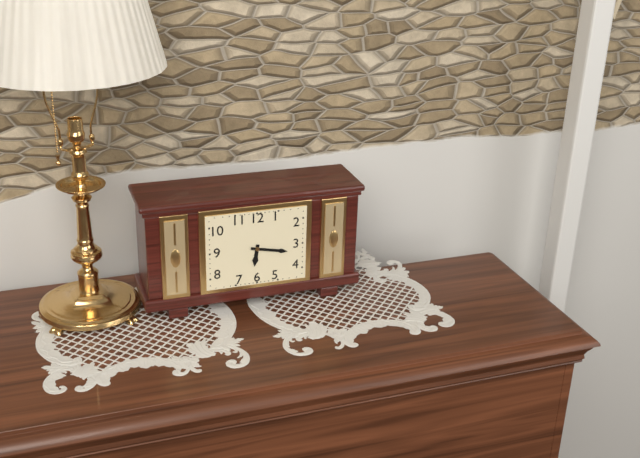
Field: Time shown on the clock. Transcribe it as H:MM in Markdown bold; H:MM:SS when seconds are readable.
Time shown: **6:17**
